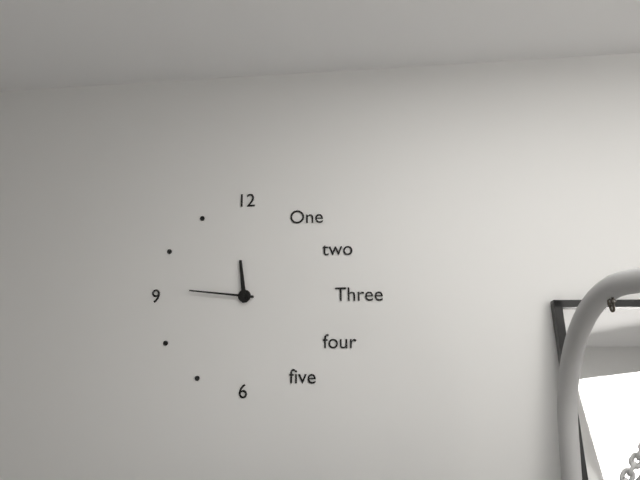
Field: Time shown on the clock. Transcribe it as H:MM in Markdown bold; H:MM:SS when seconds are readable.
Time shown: **11:46**
